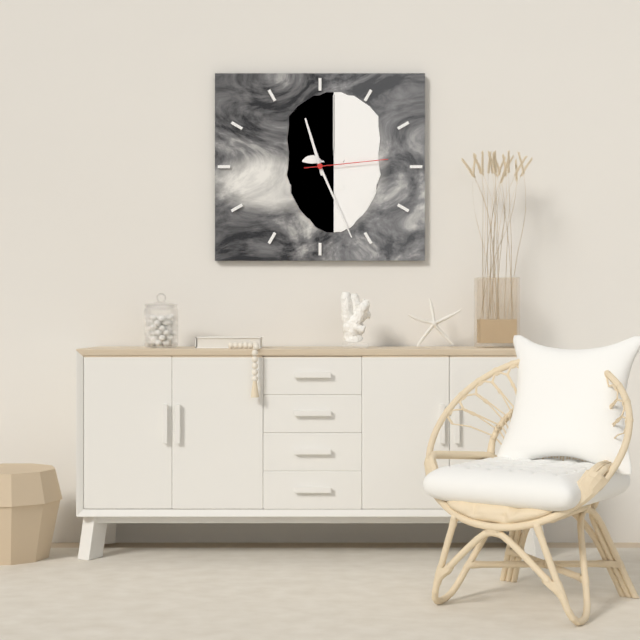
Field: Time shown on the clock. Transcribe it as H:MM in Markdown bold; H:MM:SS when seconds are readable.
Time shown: **11:26:14**
